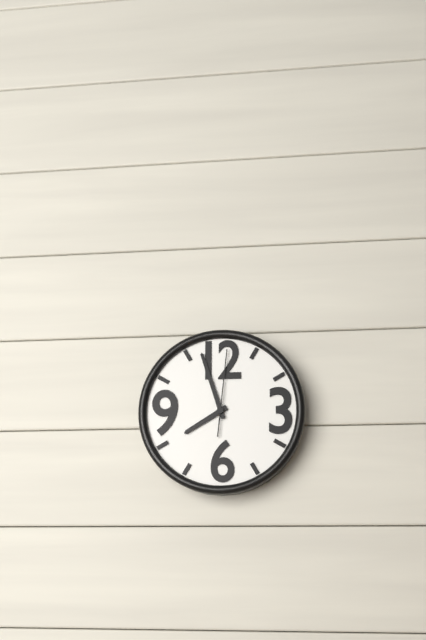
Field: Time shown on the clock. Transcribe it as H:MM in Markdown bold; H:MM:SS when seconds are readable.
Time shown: **7:57:01**
